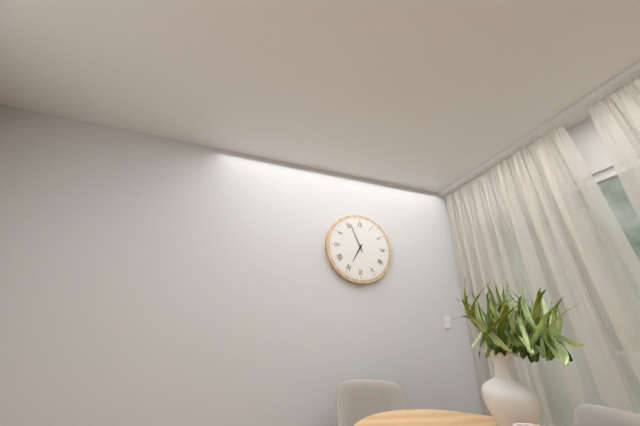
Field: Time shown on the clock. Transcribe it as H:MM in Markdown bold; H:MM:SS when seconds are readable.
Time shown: **6:56**
